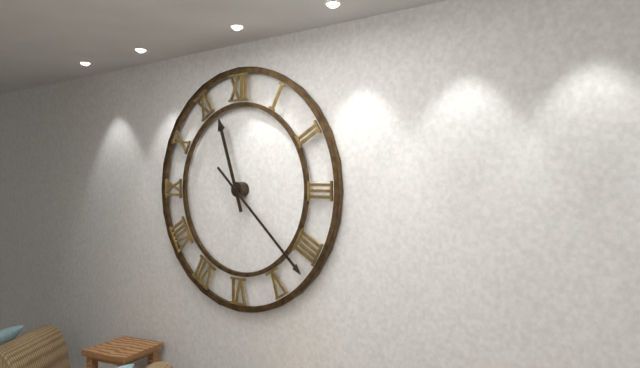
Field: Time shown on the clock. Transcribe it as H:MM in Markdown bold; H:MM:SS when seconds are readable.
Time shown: **11:22**
